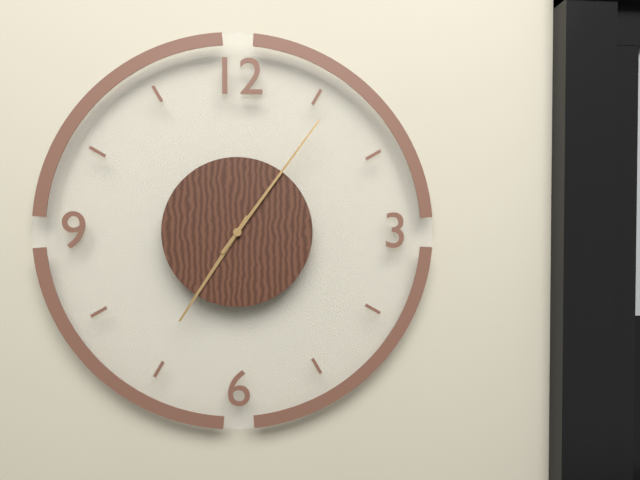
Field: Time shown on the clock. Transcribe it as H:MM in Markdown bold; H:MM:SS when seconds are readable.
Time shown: **7:06**
